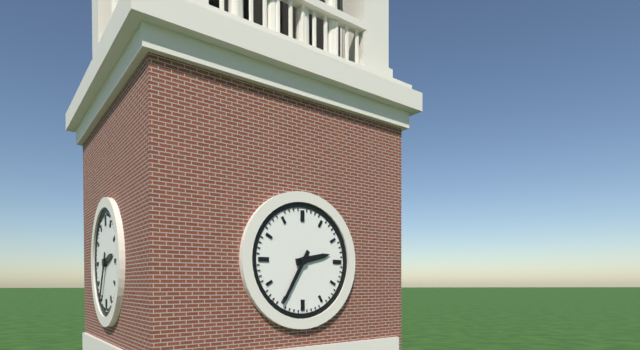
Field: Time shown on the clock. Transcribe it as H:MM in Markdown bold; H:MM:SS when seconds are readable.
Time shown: **2:35**
